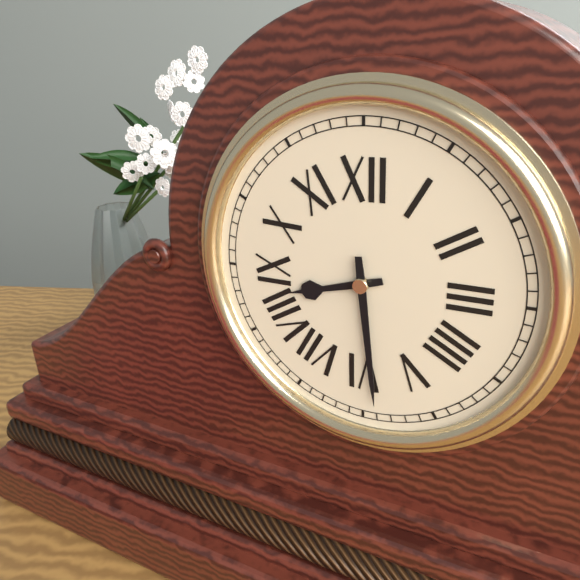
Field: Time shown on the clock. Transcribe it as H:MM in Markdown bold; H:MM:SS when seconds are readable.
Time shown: **8:29**
